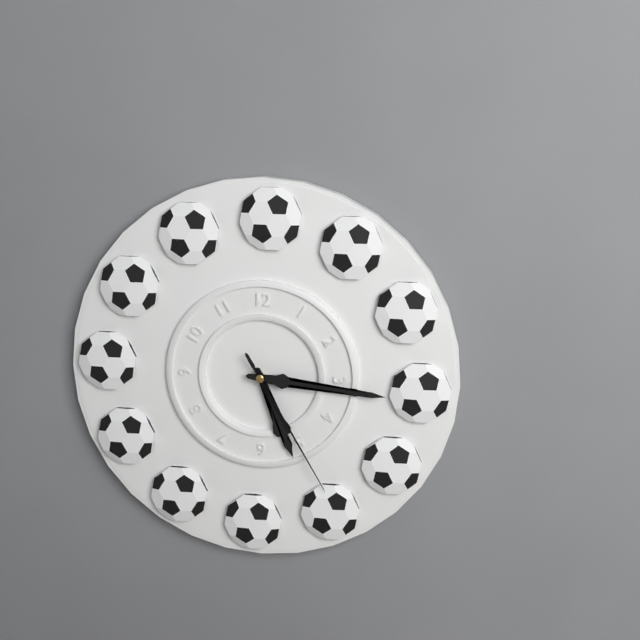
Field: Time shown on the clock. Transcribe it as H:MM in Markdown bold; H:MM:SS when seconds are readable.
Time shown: **5:16:25**
